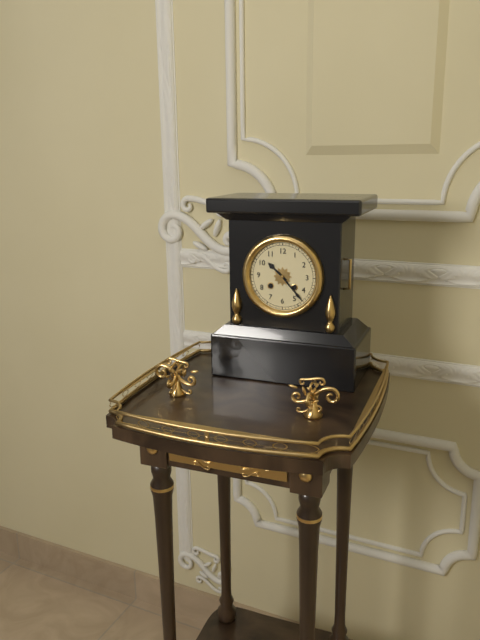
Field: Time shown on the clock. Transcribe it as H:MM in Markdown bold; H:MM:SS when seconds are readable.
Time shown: **10:23**
